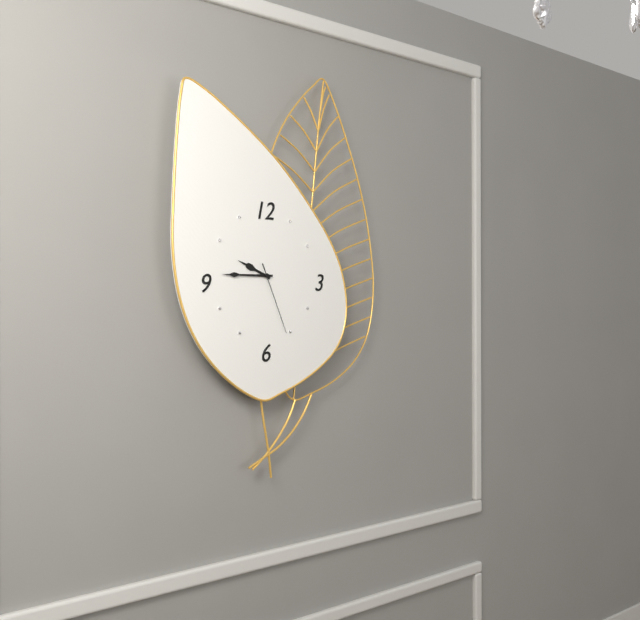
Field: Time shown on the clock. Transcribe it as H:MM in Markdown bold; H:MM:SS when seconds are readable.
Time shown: **9:45:26**
